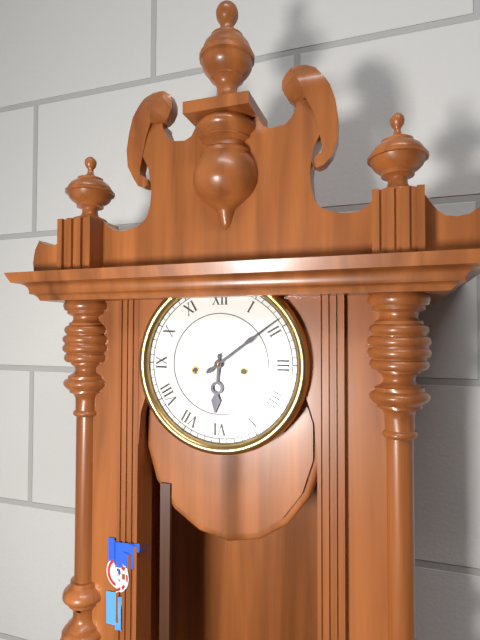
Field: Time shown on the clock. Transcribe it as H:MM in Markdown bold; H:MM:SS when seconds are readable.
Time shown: **6:09**
